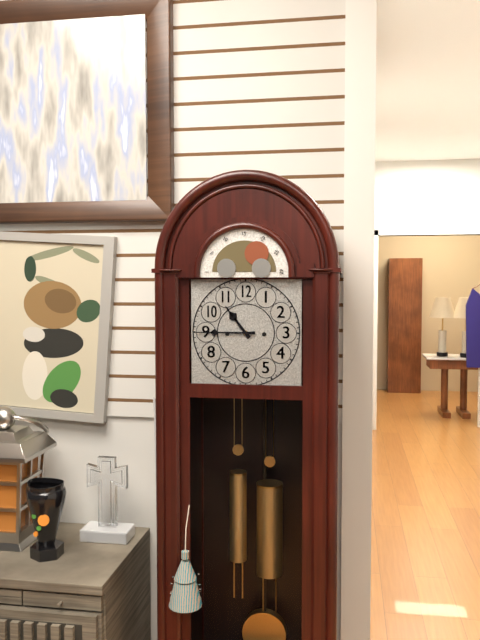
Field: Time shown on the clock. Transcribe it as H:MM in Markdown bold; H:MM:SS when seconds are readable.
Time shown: **10:45**
